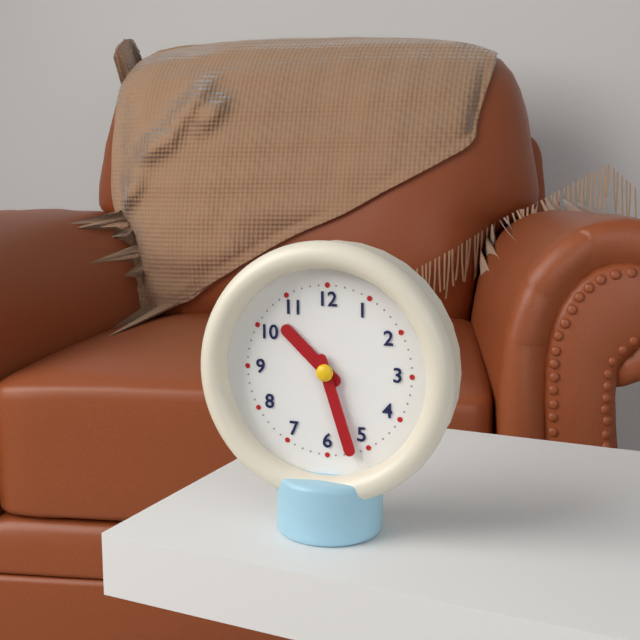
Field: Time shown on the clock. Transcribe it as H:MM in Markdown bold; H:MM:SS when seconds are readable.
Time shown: **10:27**
